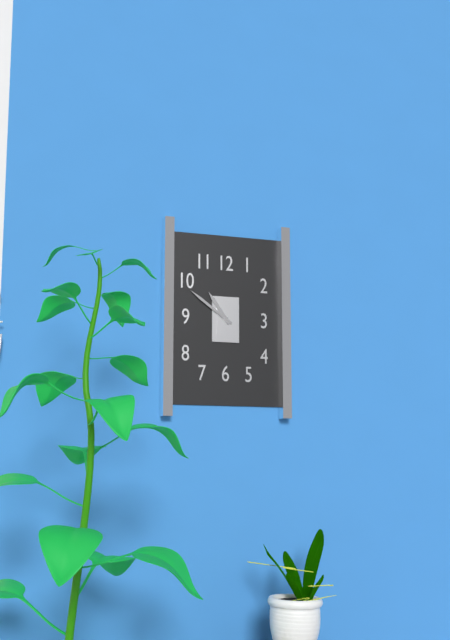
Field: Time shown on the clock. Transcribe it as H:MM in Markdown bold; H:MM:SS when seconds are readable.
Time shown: **10:51**
